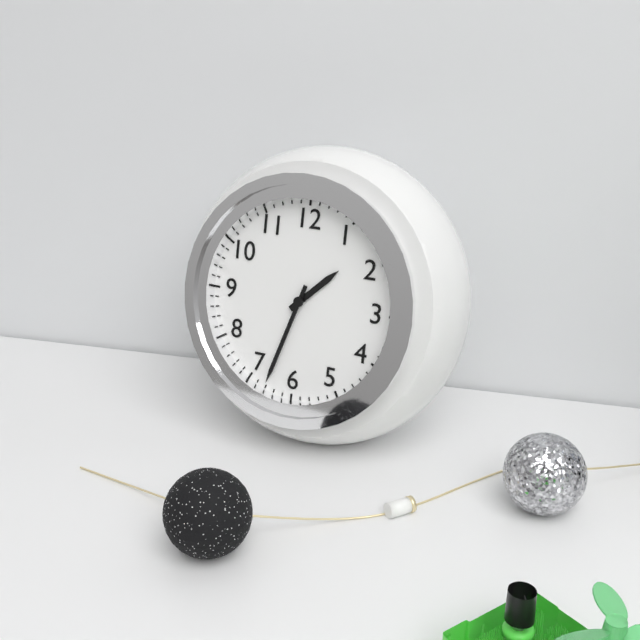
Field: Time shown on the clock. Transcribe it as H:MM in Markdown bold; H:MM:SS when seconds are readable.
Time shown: **1:33**
